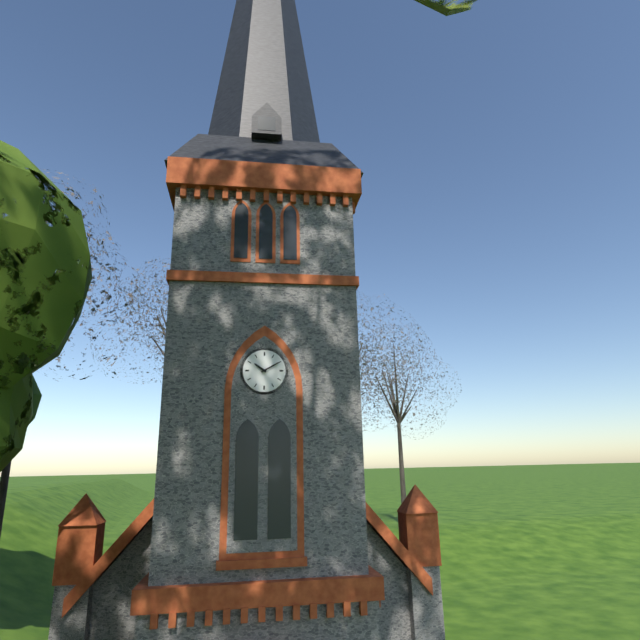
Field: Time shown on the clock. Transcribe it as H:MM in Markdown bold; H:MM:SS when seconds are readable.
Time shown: **10:10**
